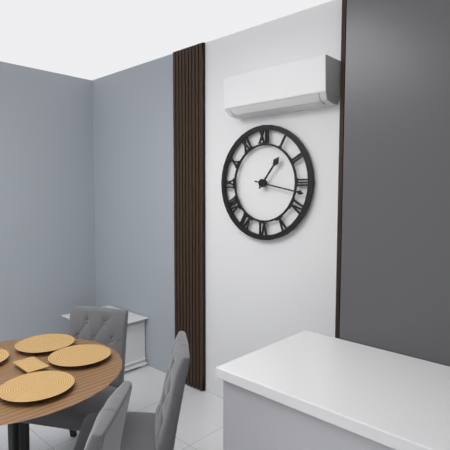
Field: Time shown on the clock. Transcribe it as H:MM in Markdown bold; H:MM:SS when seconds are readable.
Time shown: **1:17**
